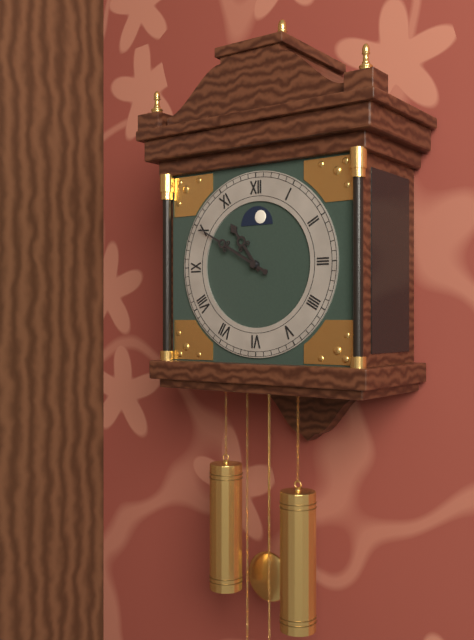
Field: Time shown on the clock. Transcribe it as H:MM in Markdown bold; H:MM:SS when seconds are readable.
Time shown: **10:50**
